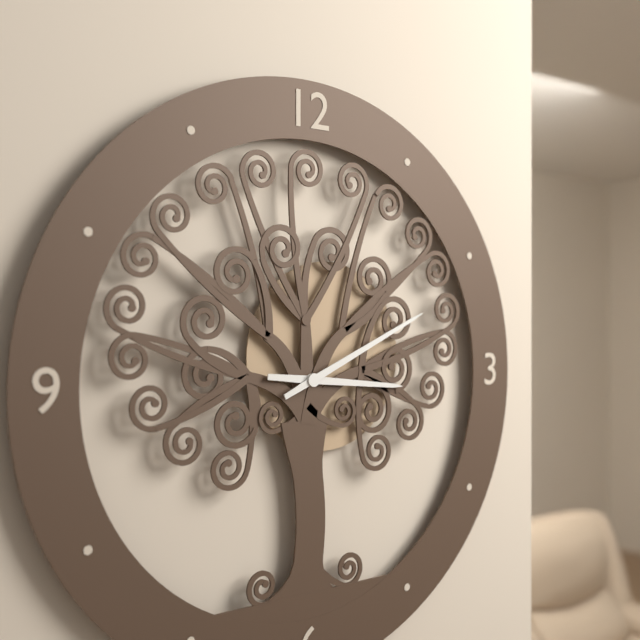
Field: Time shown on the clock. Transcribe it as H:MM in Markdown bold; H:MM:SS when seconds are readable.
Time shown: **3:11**
